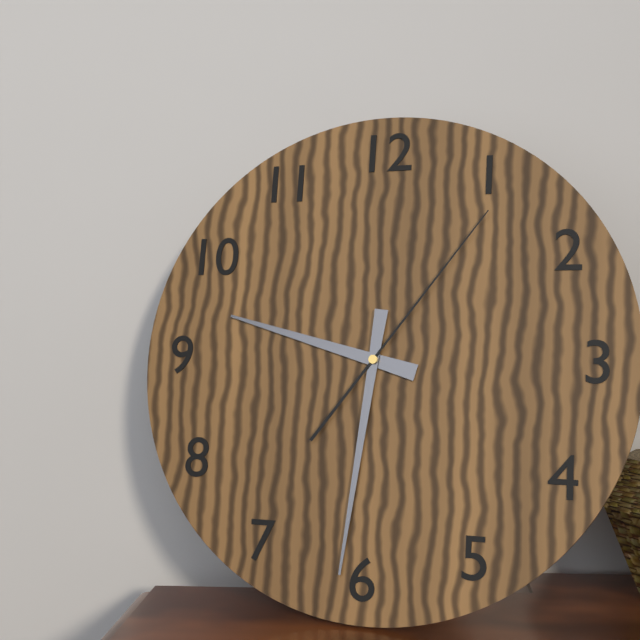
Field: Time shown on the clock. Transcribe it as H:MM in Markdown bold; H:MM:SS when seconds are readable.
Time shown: **9:31:06**
